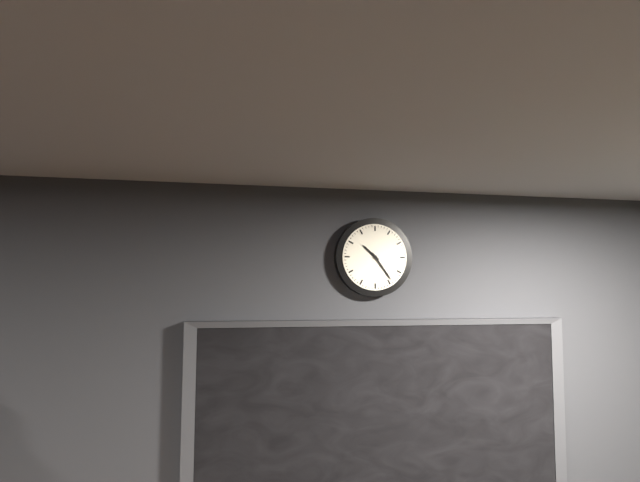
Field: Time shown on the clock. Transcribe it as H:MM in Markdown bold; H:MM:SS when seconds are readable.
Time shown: **10:24**
